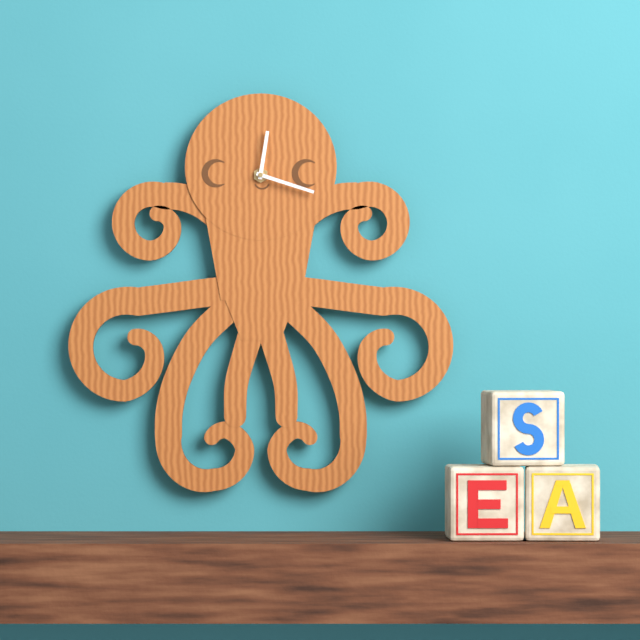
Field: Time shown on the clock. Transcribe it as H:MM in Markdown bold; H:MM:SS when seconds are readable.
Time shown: **12:18**
